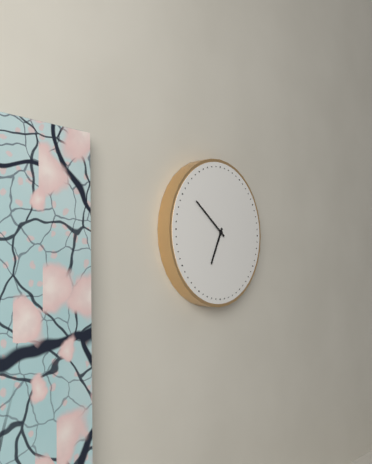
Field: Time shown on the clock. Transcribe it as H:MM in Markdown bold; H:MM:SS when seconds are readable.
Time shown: **6:51**
